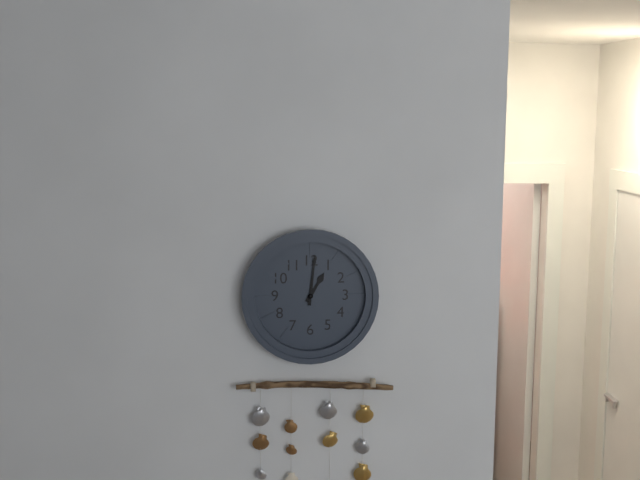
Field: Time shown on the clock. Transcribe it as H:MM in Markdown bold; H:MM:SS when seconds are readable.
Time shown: **1:01**
